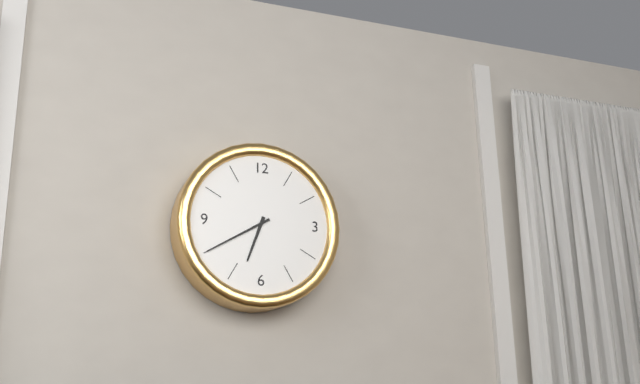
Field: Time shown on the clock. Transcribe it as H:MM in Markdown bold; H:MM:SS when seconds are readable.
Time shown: **6:40**
